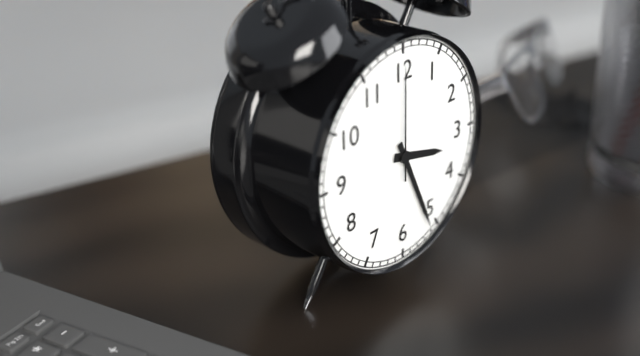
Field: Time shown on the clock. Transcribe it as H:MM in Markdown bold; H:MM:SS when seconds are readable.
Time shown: **3:26:00**
